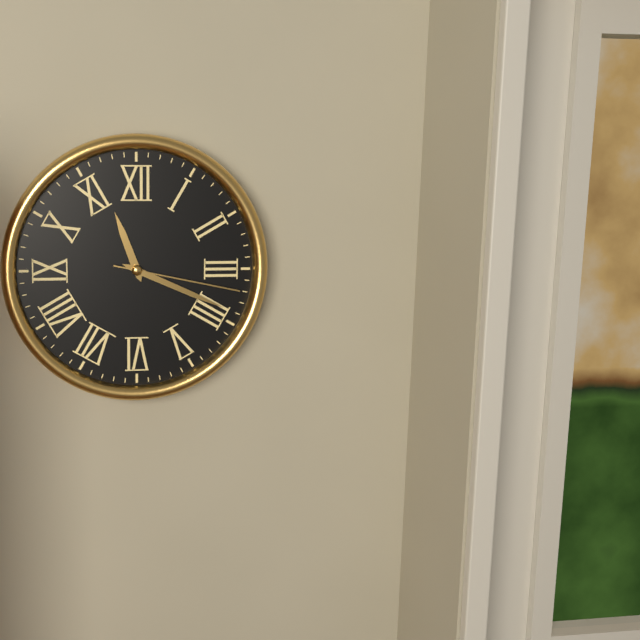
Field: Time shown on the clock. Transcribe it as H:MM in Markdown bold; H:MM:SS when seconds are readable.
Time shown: **11:19:17**
